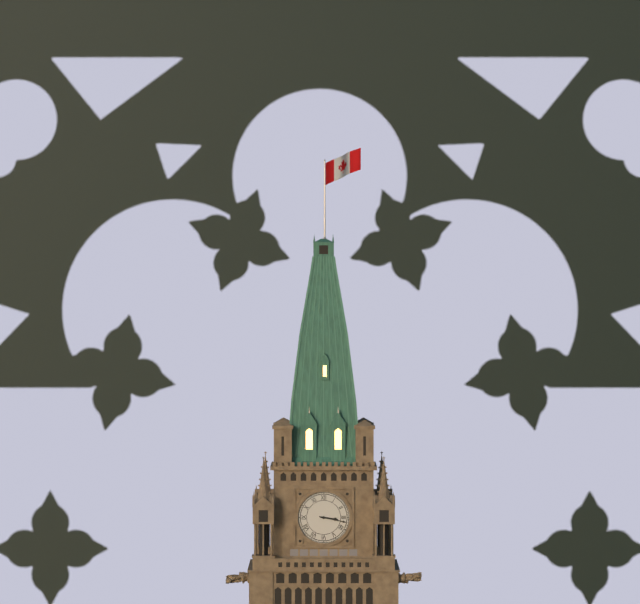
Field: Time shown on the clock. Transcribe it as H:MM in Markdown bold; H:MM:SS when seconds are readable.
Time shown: **3:17**
